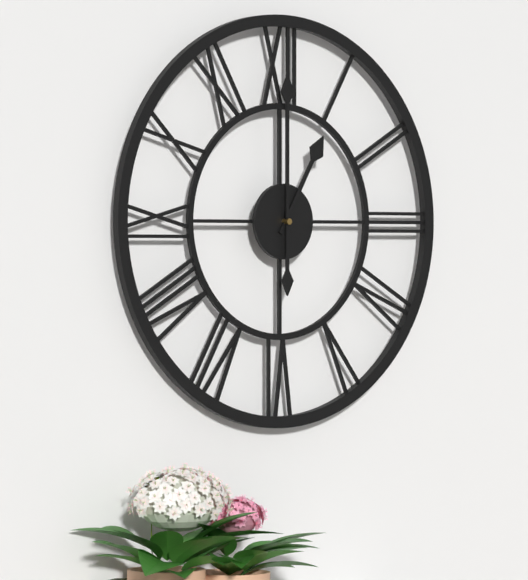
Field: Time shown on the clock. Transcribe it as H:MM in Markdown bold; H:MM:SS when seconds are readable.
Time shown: **1:00**
